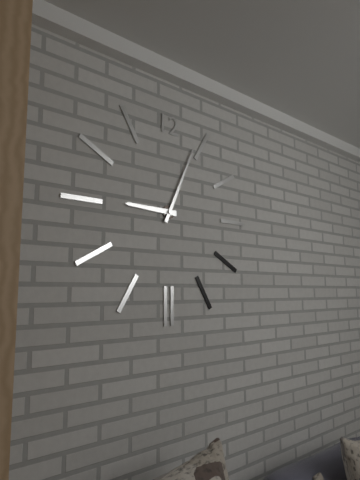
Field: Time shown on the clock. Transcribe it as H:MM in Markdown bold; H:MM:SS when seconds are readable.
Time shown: **9:04**
